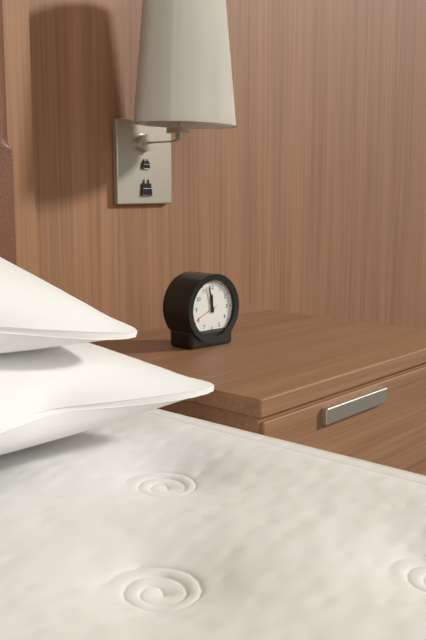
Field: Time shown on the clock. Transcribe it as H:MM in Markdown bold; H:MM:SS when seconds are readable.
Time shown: **11:58**
